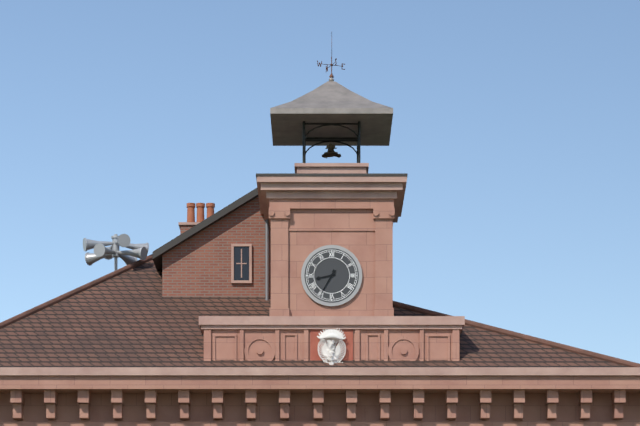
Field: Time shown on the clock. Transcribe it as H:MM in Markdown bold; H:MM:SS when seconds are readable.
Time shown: **8:35**
